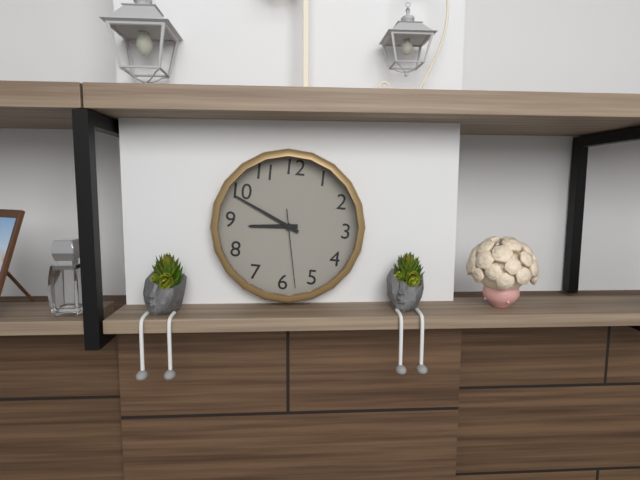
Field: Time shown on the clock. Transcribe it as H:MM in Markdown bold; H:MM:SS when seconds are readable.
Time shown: **8:49:28**
